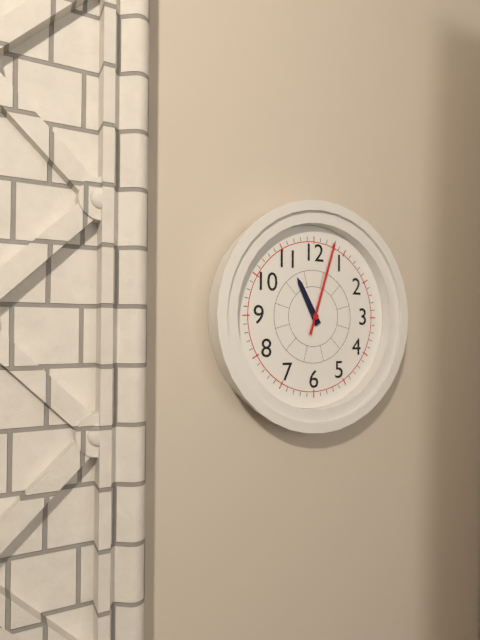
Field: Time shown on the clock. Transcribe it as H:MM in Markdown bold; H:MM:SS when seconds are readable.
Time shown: **11:03**
